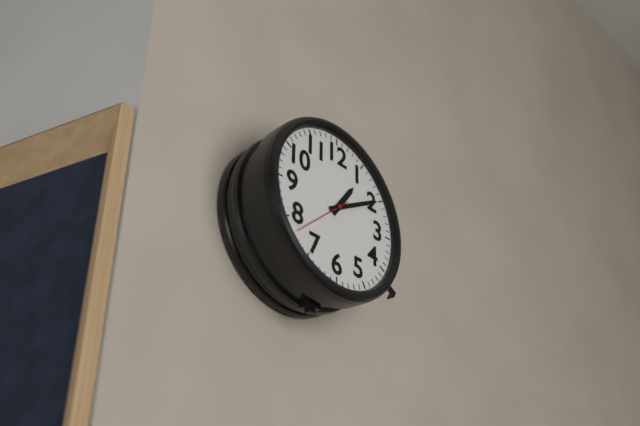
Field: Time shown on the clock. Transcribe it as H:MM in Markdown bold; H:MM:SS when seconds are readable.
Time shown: **1:10:38**
